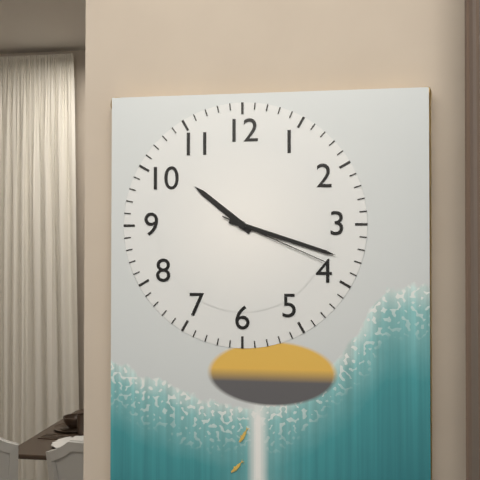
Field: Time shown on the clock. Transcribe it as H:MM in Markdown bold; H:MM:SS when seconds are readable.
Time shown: **10:18:19**
